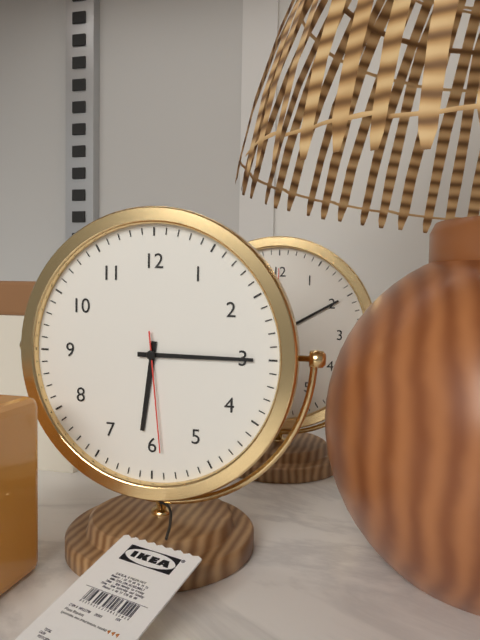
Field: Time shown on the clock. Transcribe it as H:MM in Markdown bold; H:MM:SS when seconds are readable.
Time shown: **6:15:29**
